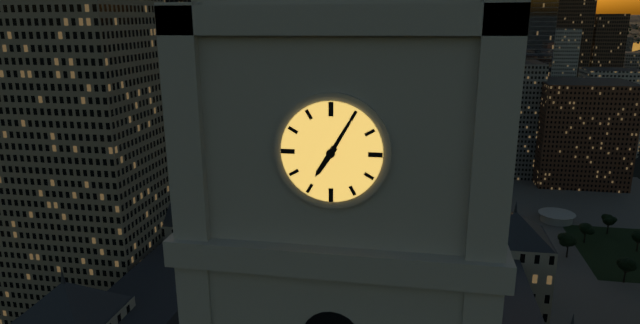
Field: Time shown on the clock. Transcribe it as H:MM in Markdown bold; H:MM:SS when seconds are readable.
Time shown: **7:05**
